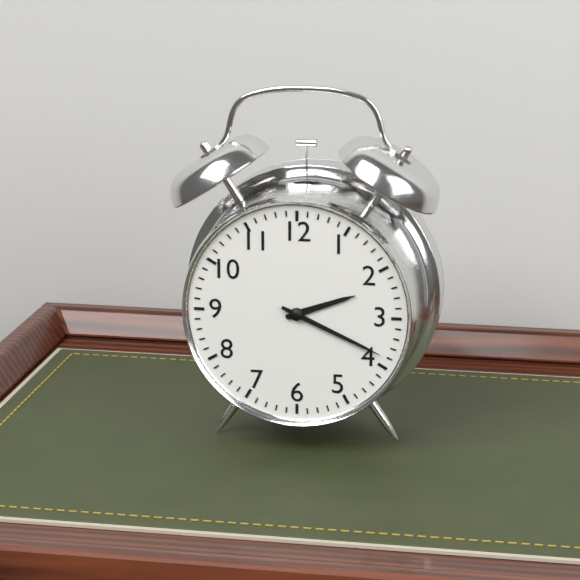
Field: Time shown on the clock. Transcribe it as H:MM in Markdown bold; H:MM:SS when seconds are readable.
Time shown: **2:19**
